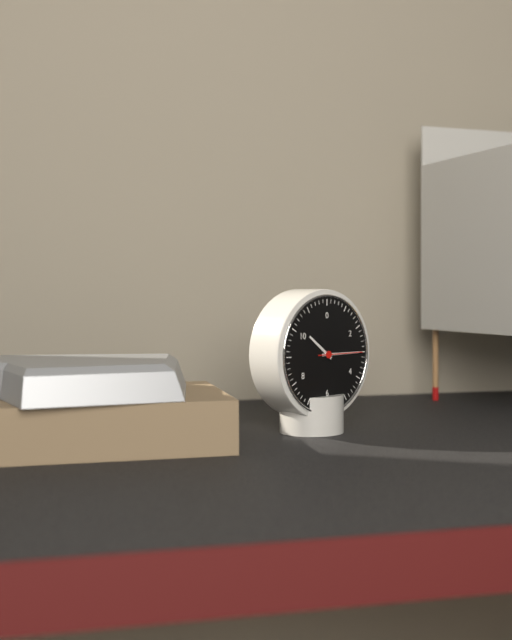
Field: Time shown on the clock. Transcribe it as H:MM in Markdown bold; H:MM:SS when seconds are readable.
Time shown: **10:15**
